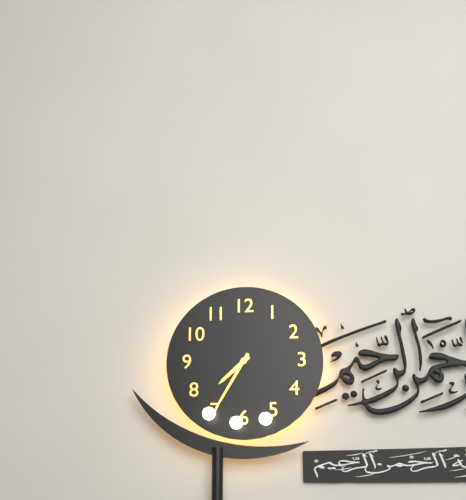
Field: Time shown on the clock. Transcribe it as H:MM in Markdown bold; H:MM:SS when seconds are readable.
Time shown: **7:35**
